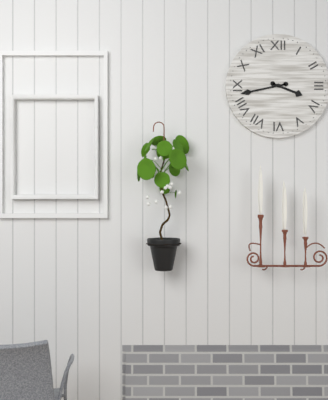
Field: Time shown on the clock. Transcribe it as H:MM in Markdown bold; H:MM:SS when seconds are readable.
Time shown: **3:43**
